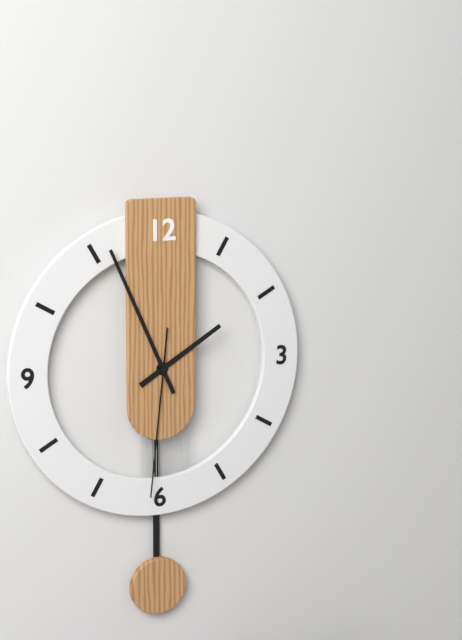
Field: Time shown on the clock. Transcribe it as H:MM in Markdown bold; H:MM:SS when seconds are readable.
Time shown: **1:56:31**
